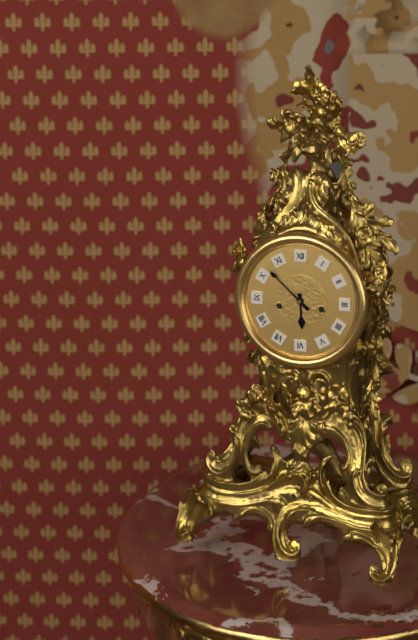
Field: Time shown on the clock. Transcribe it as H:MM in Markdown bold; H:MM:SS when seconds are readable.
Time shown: **5:52**
